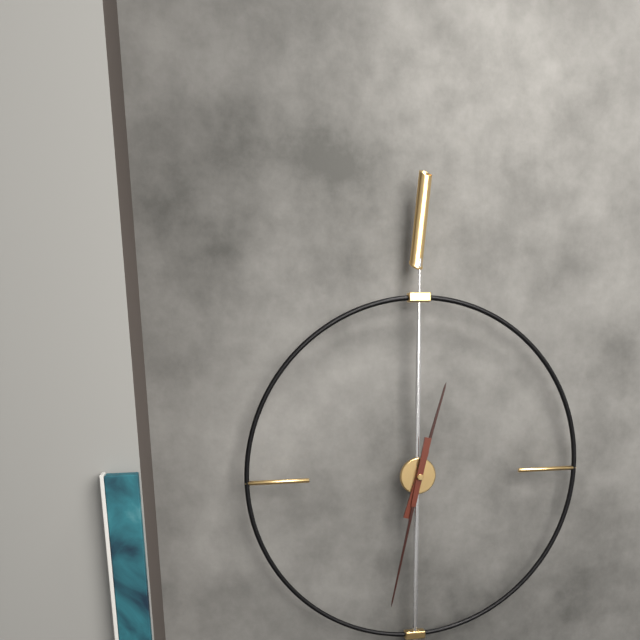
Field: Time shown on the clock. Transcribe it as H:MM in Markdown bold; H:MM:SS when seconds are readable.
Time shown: **12:32**
